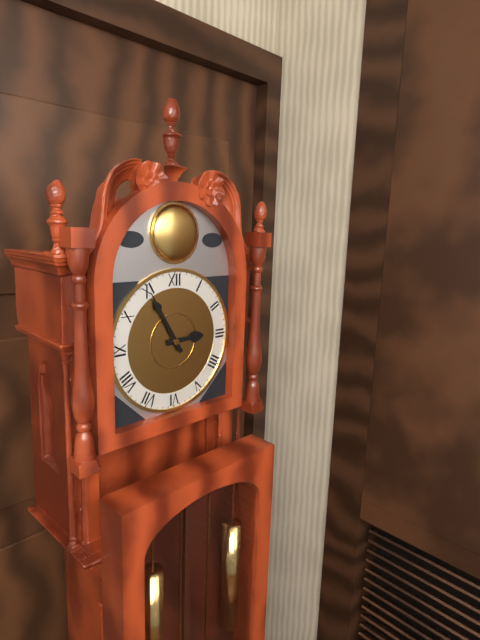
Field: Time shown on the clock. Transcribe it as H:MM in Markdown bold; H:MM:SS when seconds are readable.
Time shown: **2:55**
